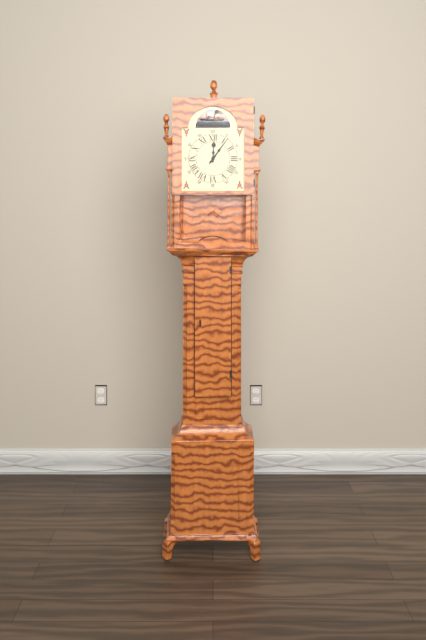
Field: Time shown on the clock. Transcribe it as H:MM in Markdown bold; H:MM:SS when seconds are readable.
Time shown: **12:06**
